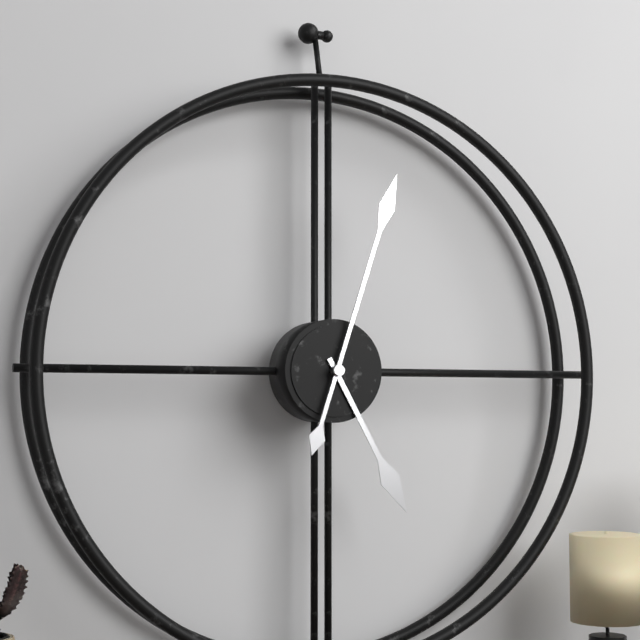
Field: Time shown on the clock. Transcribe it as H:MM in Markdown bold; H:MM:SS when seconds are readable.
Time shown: **5:03**
